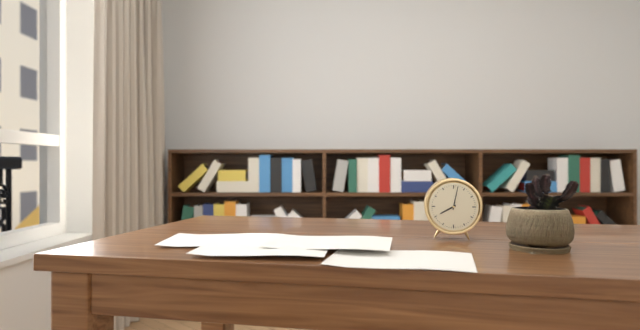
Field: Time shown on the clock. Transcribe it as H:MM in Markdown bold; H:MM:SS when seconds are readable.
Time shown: **8:02**
